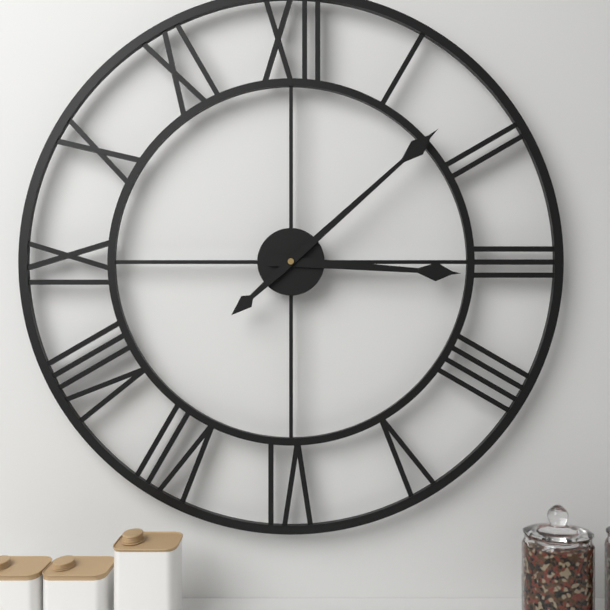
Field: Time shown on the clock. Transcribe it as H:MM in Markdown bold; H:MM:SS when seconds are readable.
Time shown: **3:08**
